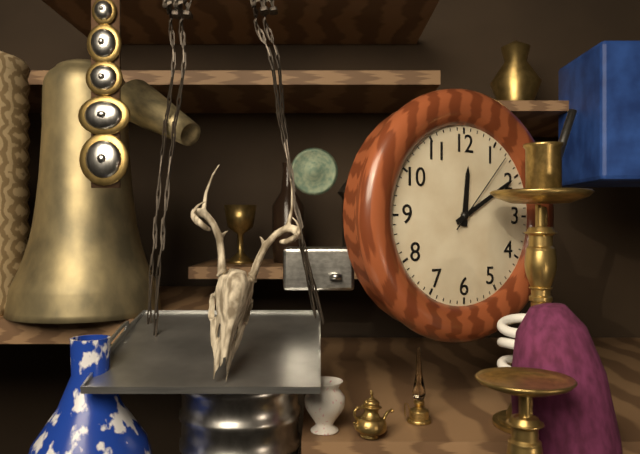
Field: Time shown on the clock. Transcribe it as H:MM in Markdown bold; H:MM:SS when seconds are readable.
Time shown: **12:10:07**
